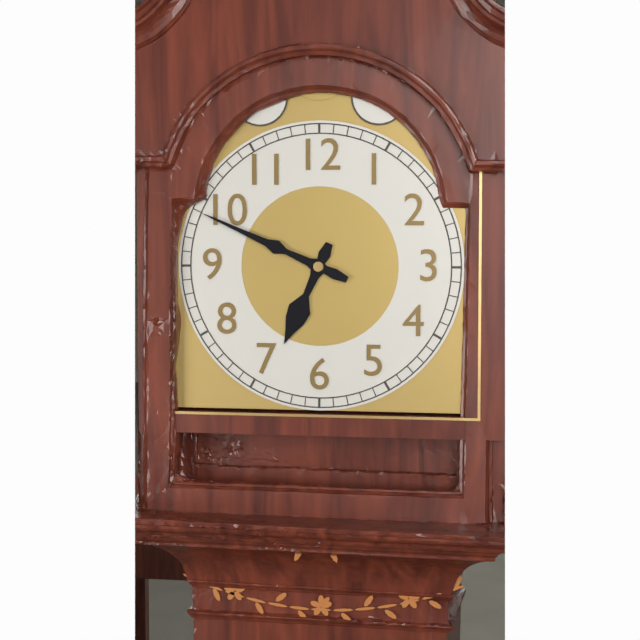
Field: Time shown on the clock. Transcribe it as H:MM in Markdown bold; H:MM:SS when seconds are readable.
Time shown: **6:49**
